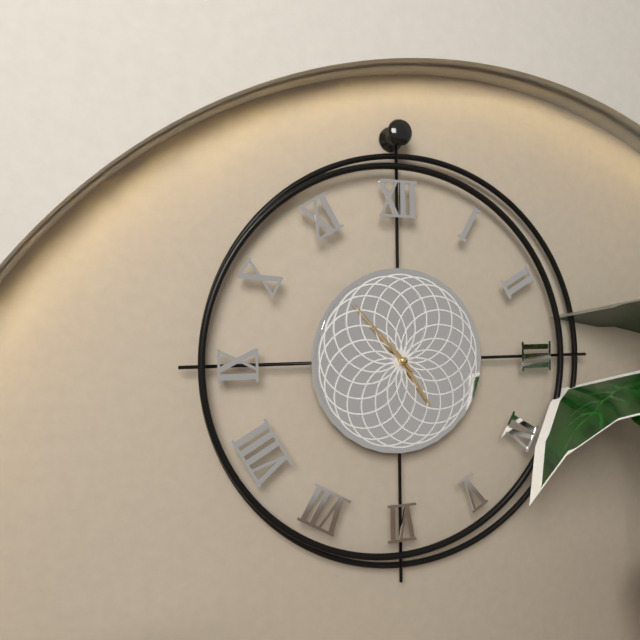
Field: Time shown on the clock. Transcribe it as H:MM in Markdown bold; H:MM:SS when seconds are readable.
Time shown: **4:53**
